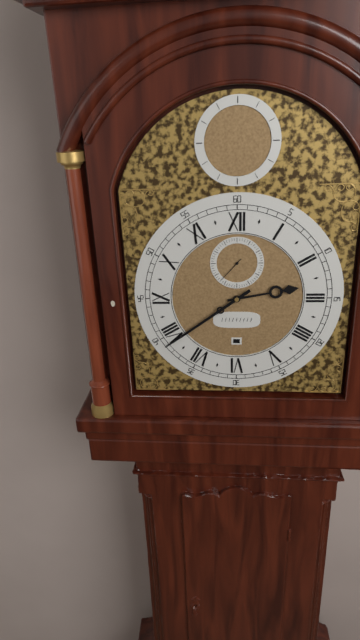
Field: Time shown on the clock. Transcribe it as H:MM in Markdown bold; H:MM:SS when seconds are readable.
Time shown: **2:39**
